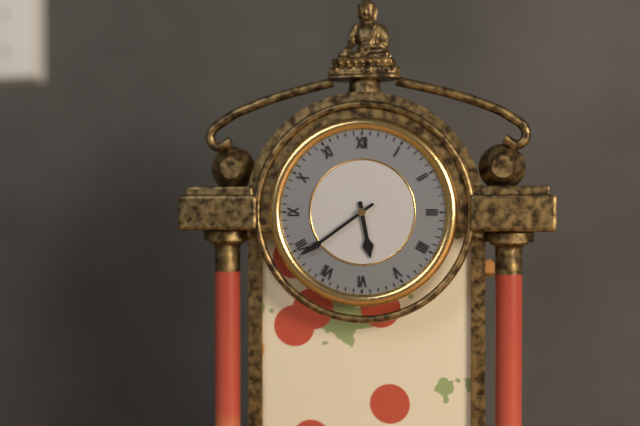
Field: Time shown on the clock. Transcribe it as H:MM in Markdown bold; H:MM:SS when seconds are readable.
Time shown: **5:39**
